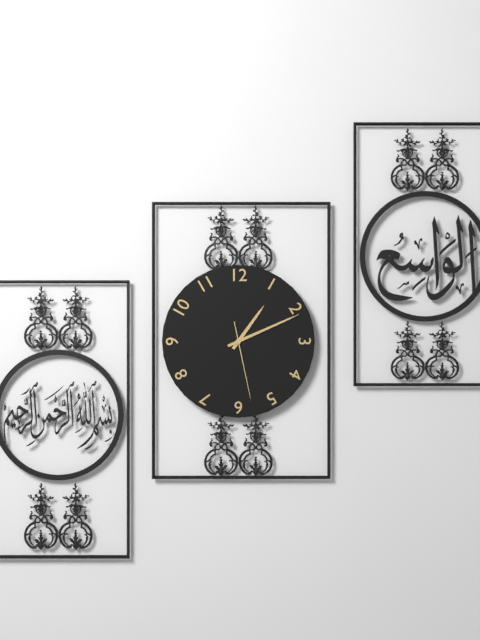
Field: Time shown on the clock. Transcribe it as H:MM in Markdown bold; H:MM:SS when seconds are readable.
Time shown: **1:11:28**
